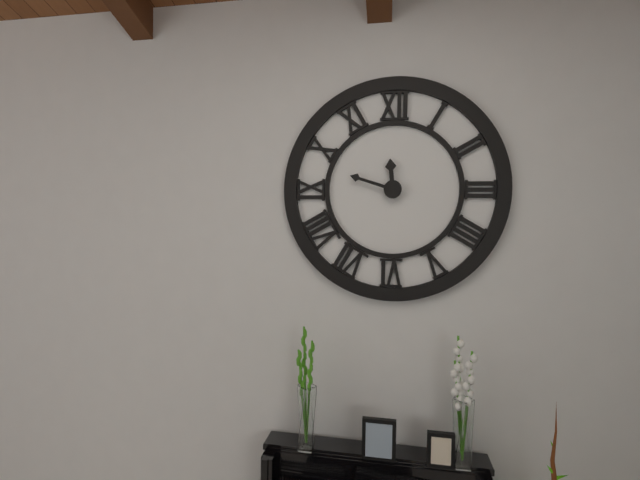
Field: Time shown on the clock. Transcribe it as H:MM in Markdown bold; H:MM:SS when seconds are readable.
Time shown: **11:48**
